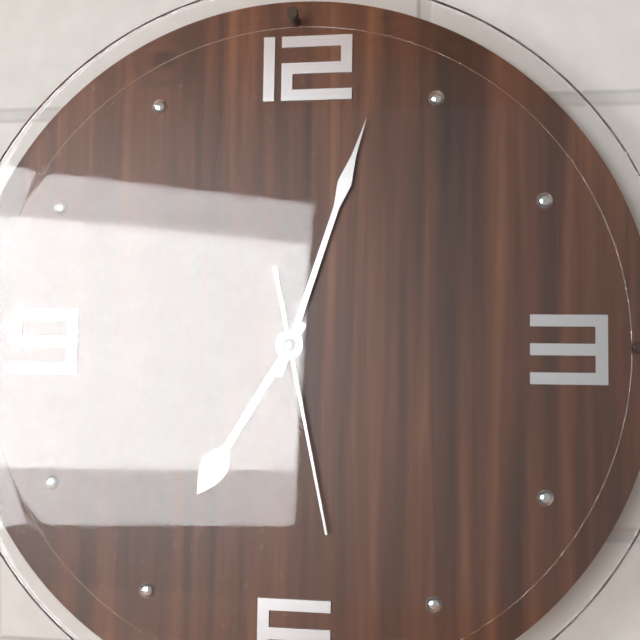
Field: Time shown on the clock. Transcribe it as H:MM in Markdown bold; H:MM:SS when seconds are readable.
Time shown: **7:03:28**
